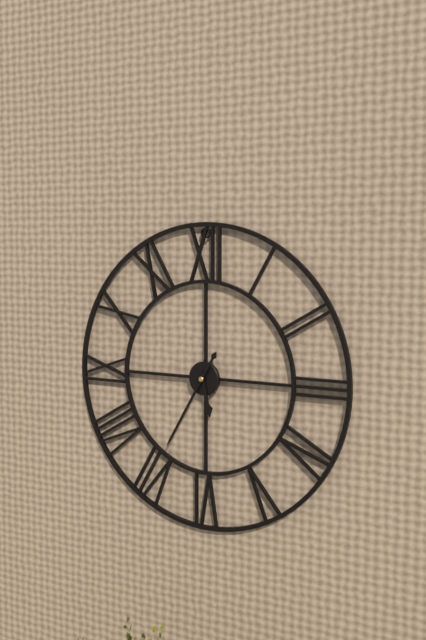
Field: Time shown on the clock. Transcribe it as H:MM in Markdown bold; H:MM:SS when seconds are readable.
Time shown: **5:35**
